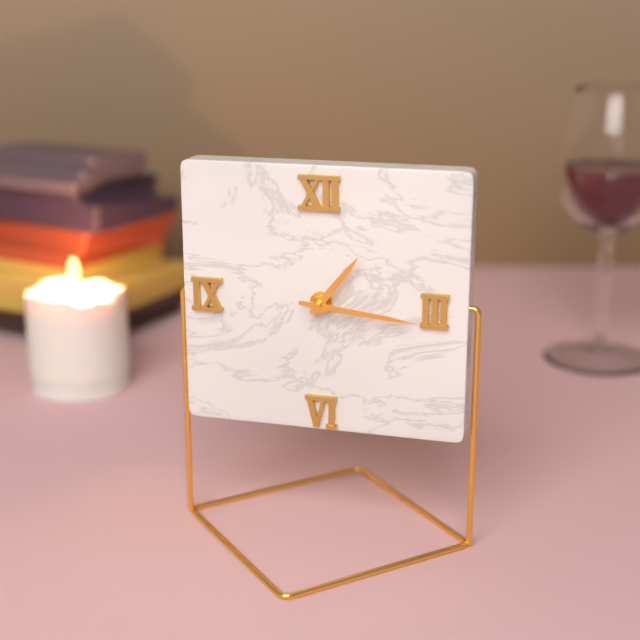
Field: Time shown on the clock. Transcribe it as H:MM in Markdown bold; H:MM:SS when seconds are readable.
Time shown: **1:16**
